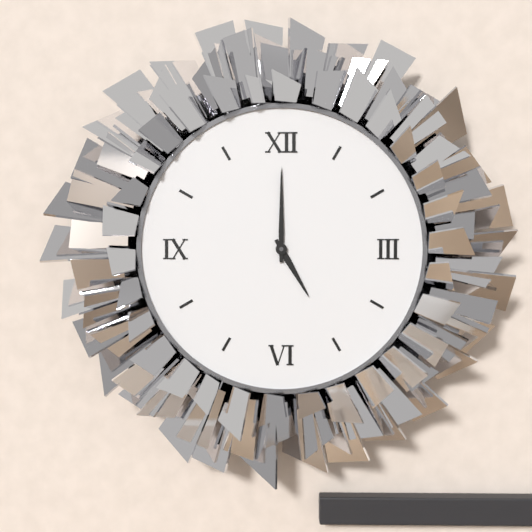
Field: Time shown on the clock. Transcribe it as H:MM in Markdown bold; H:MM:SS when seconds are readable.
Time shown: **5:00**
